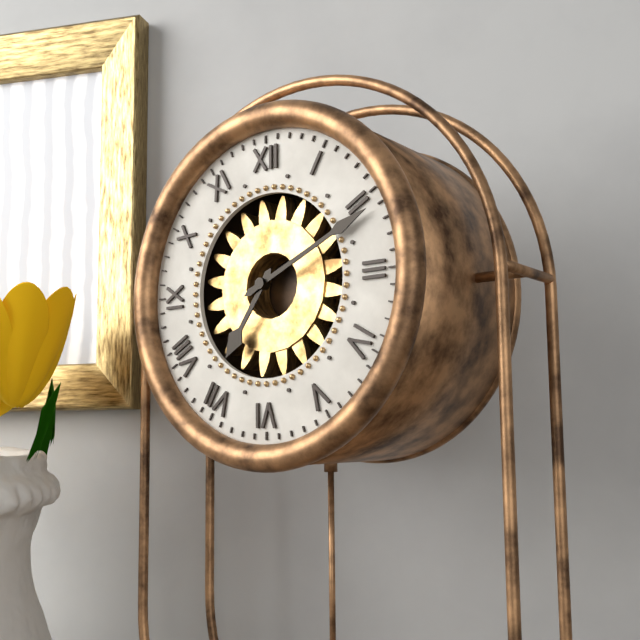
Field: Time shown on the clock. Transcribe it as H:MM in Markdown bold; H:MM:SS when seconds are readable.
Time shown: **7:11**
